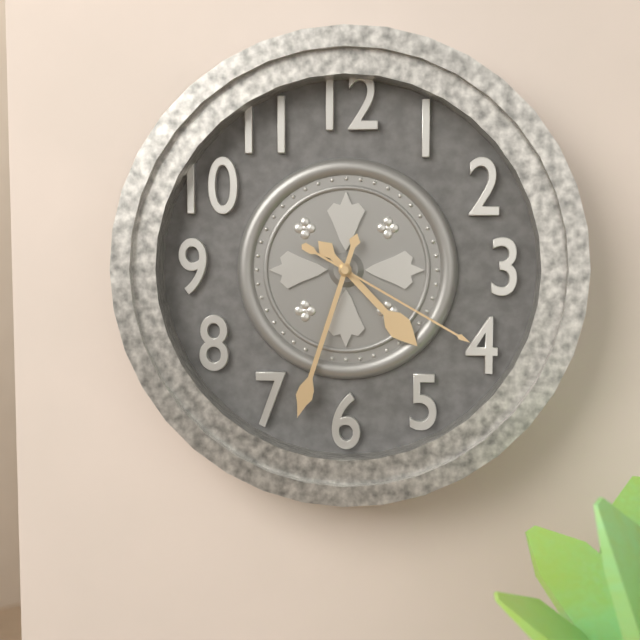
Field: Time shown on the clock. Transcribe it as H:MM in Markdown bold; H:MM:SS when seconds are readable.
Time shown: **4:33:20**
